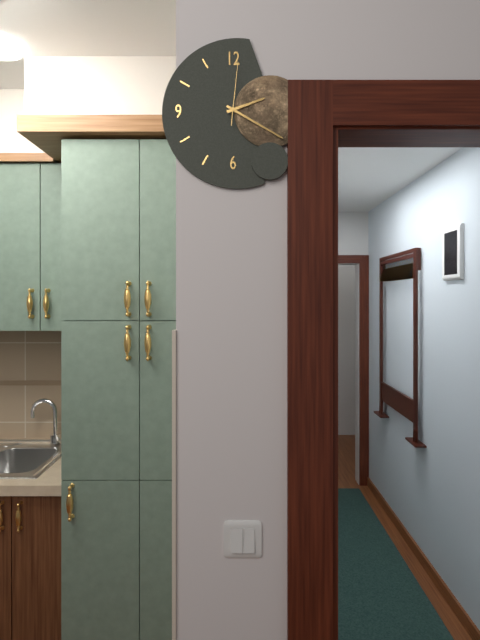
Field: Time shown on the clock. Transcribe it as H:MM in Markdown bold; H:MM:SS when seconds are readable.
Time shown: **2:20:01**
